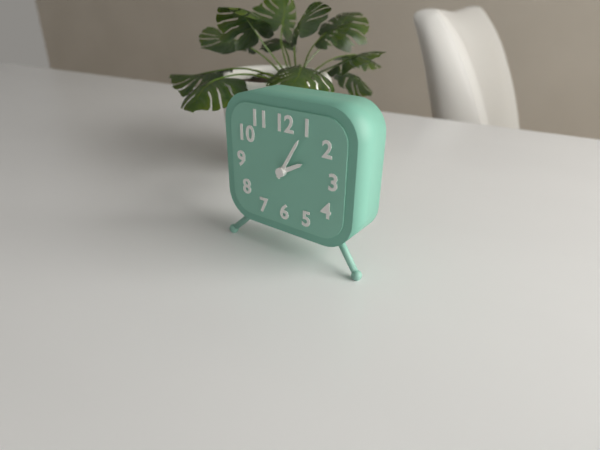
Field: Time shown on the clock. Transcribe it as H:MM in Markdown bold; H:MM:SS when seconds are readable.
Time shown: **2:05**
